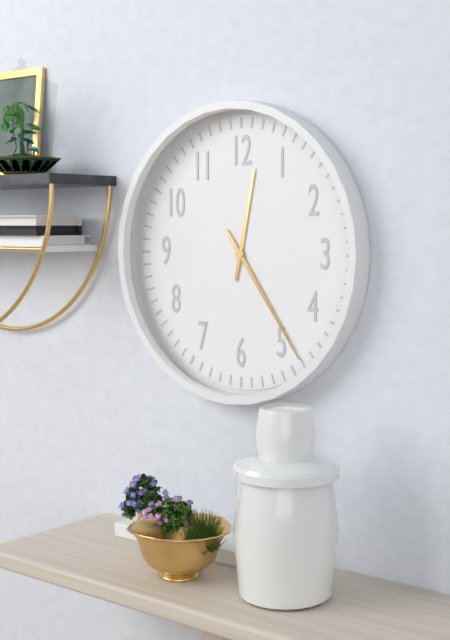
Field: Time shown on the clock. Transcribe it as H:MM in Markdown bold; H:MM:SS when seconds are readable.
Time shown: **12:24**
